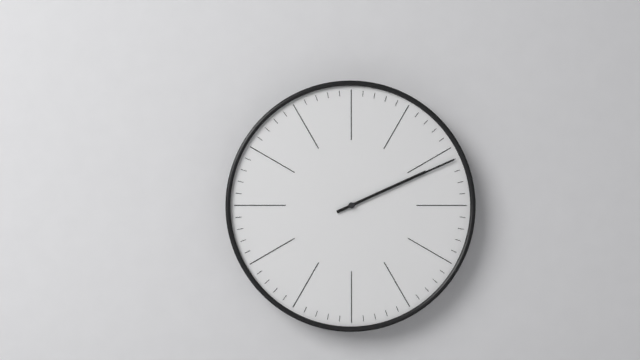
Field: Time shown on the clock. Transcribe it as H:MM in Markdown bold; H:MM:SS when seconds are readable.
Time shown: **2:11**
